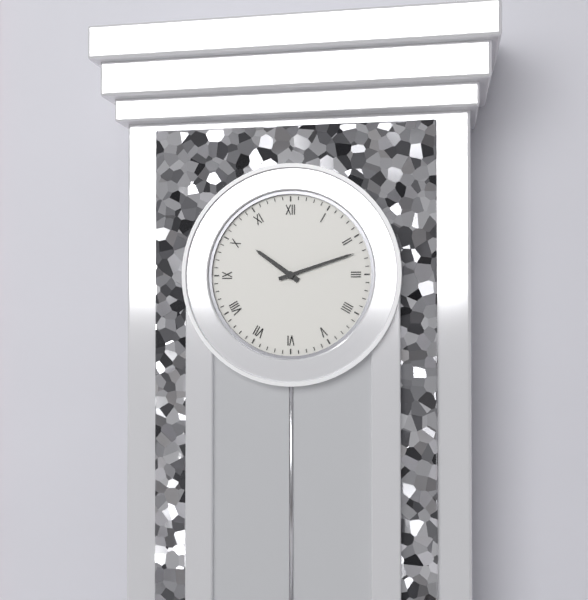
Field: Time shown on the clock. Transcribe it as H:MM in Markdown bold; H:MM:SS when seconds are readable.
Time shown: **10:12**
